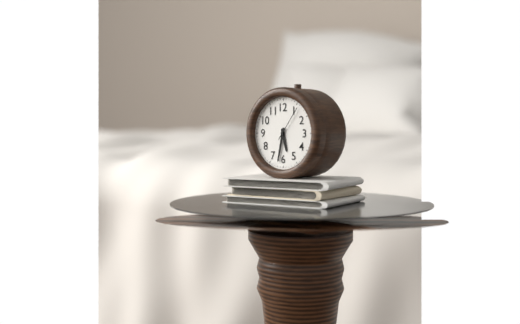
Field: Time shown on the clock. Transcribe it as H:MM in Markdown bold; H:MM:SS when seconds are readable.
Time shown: **5:32**
